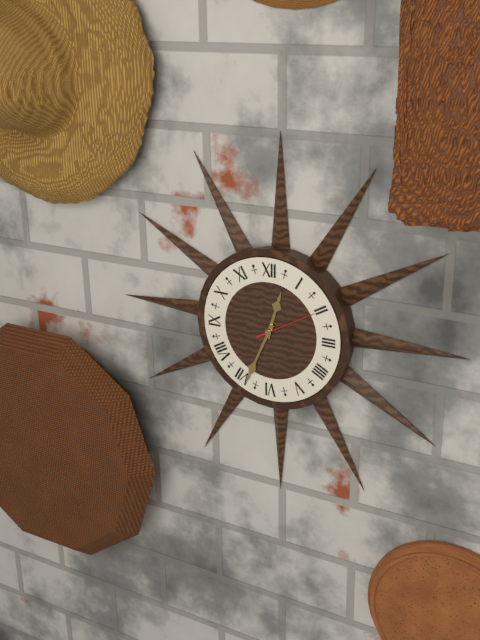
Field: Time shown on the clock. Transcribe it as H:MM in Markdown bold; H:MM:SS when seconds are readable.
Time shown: **12:34**
